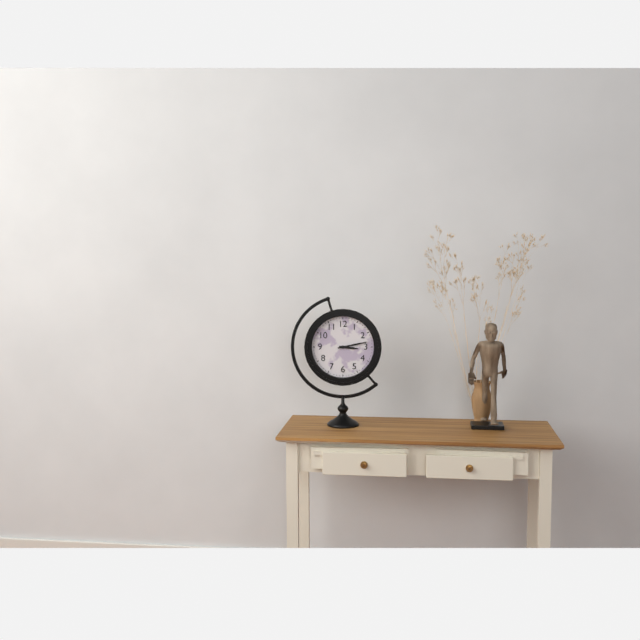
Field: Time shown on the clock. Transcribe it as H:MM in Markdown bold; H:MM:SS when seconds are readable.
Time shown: **3:13**
